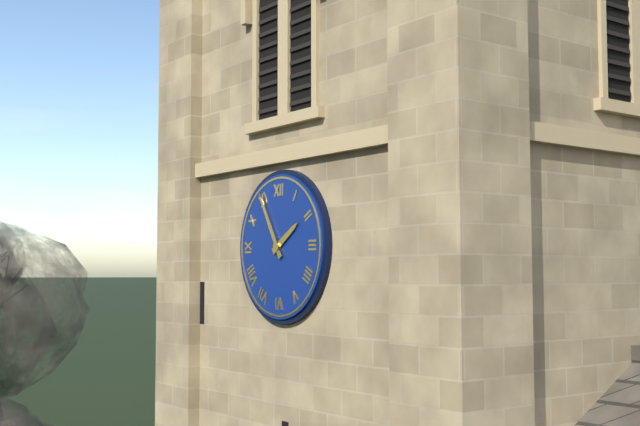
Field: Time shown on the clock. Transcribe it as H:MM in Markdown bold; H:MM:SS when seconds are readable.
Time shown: **1:55**
